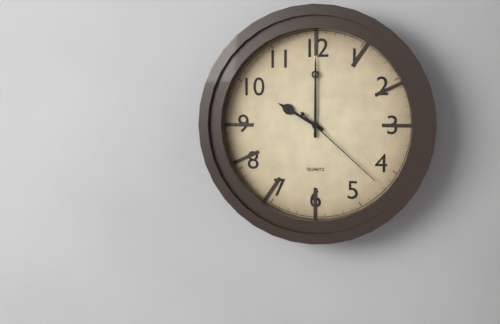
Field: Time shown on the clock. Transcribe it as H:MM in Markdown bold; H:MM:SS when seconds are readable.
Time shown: **10:00:22**
